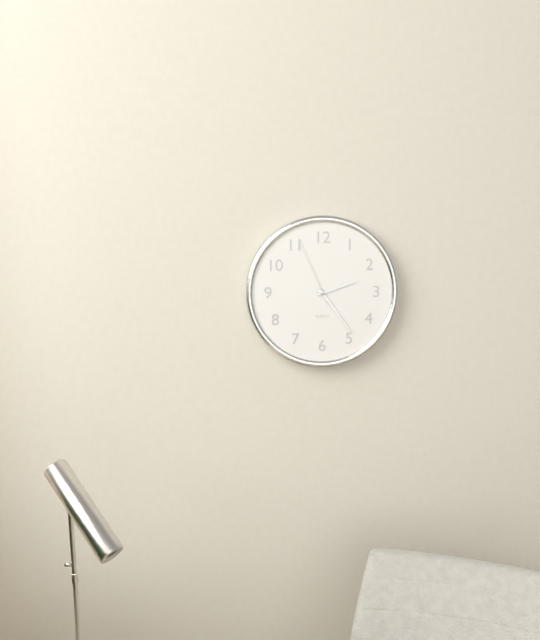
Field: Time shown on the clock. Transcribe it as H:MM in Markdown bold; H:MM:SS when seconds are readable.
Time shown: **2:24:56**
